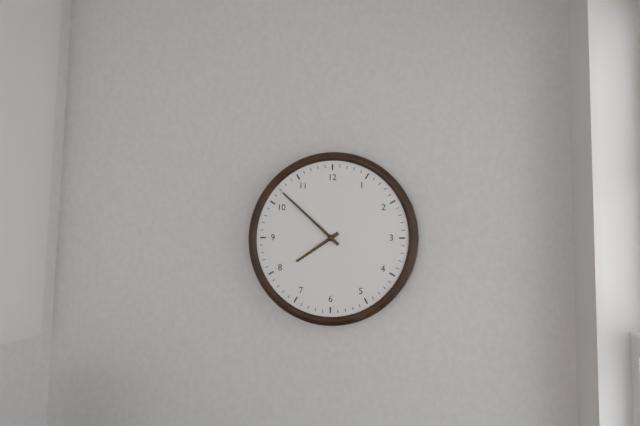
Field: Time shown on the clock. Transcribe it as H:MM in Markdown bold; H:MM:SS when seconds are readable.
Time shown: **7:52**
